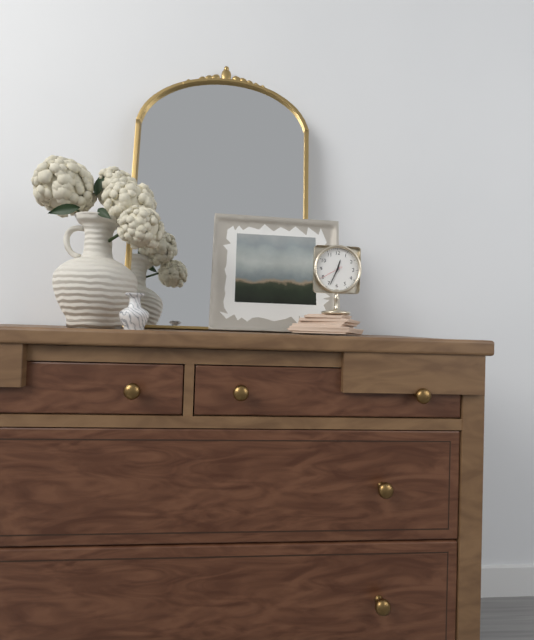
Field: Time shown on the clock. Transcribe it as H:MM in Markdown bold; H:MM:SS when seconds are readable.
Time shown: **12:34**
